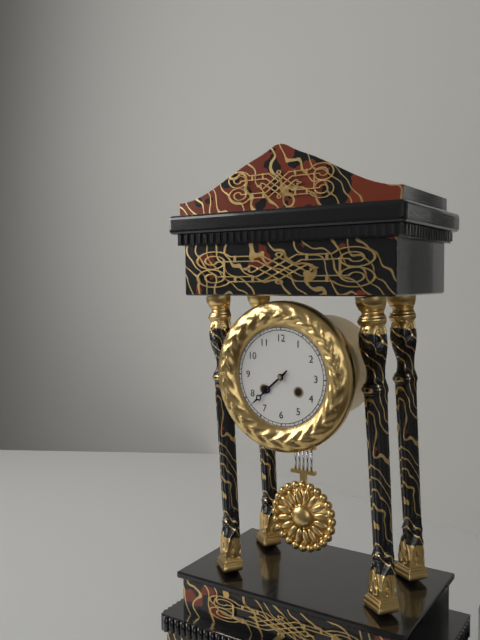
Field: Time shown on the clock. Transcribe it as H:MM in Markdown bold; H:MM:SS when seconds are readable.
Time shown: **7:38**
